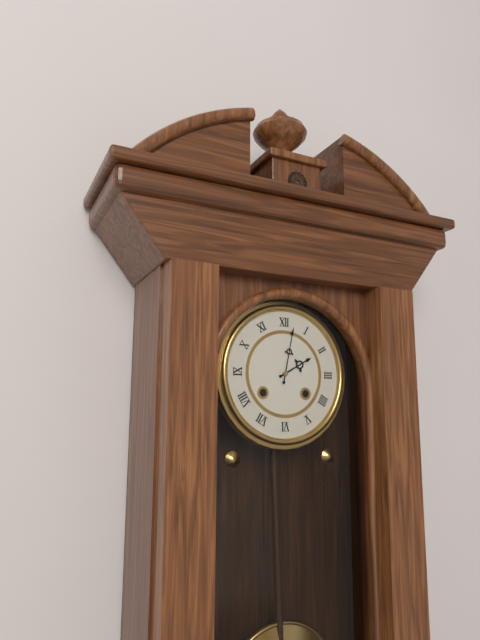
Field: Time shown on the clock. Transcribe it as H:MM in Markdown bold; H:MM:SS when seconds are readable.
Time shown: **2:02**
